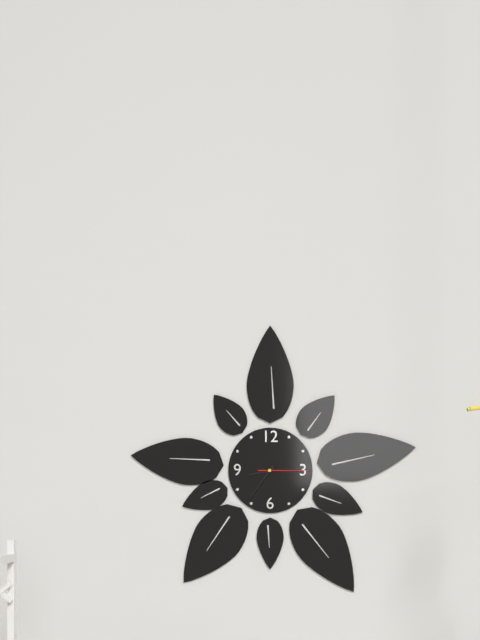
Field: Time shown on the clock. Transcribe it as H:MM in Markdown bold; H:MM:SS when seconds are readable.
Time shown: **8:36**
